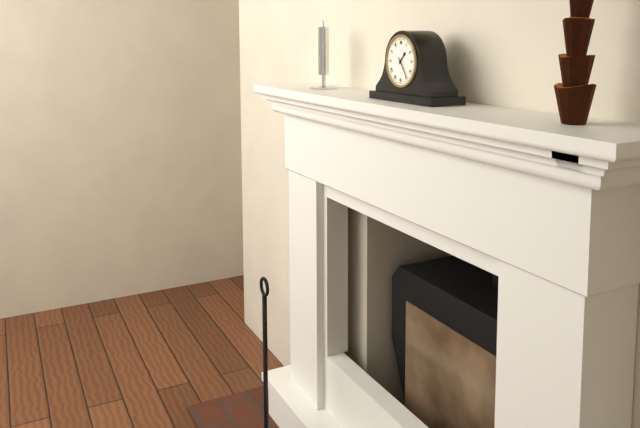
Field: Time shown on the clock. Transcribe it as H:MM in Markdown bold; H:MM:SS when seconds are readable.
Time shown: **1:24**
